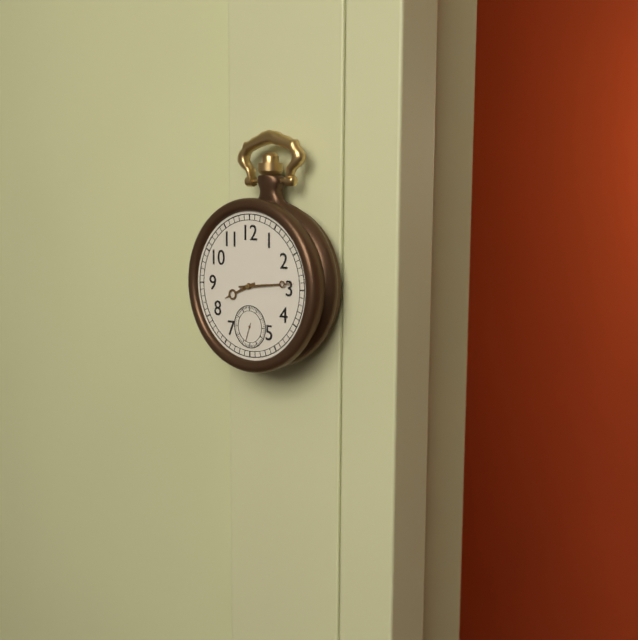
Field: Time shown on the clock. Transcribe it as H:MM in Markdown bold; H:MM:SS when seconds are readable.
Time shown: **8:14**
